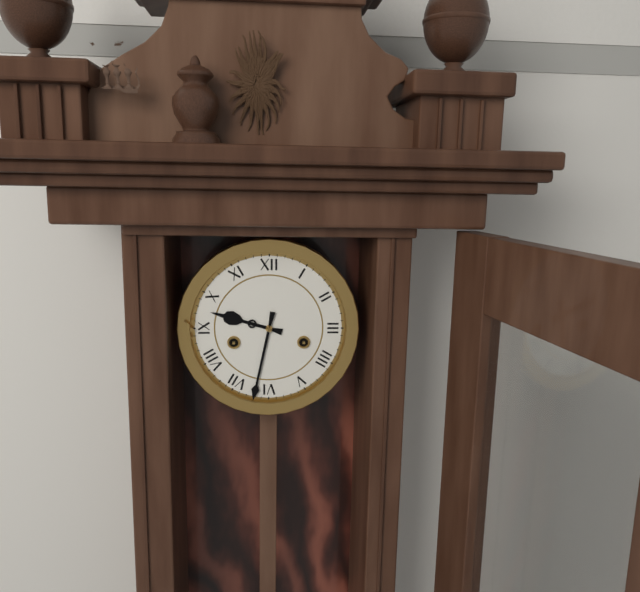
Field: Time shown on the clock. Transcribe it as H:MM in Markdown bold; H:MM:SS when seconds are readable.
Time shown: **9:32**
